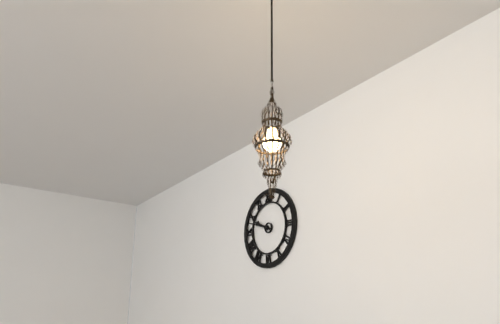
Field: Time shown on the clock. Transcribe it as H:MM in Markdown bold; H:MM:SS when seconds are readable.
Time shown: **9:48**
